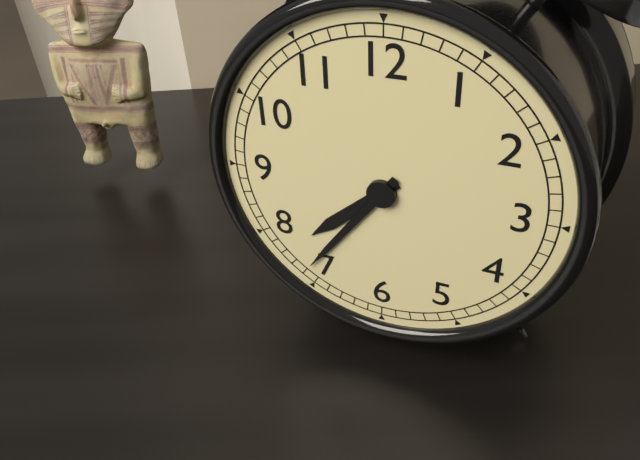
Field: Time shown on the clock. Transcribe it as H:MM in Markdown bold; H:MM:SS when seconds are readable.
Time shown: **7:36**
